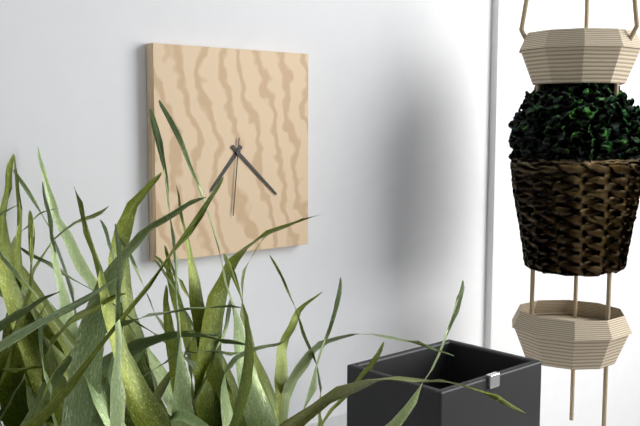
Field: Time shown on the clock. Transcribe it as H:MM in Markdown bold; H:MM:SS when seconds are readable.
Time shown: **7:22:31**
